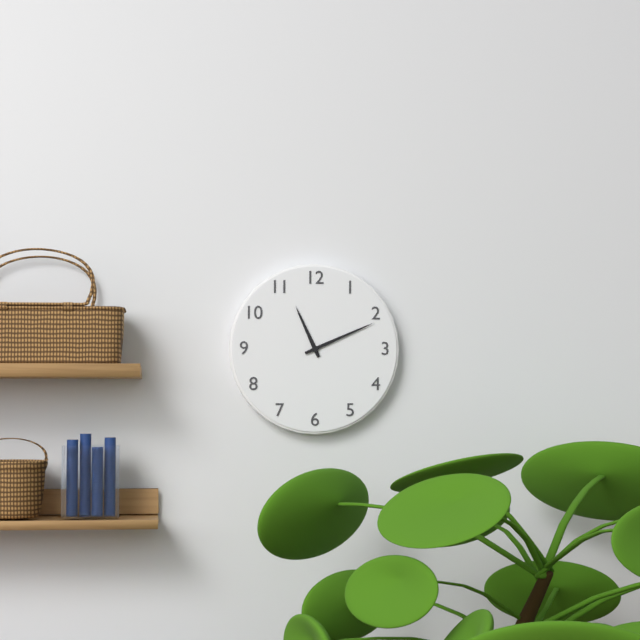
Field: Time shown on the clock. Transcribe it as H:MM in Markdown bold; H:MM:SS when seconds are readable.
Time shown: **11:11**
